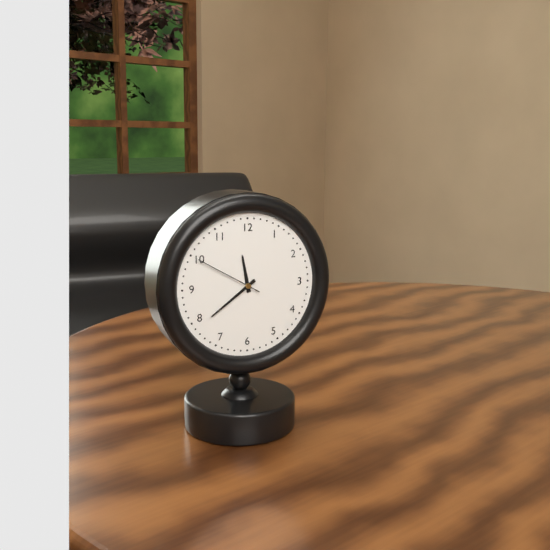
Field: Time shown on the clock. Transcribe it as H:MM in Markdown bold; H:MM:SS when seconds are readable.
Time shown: **11:39:50**
